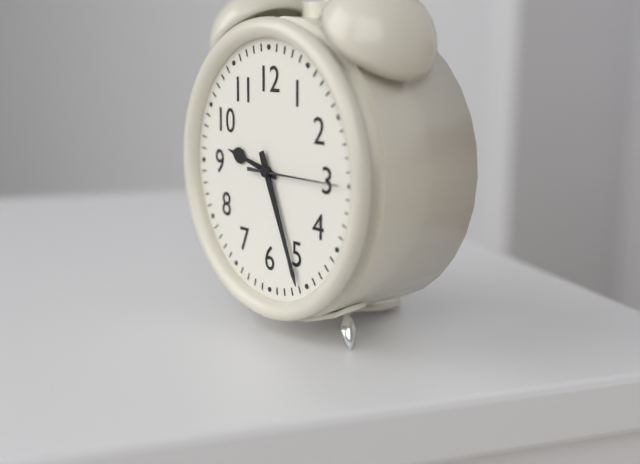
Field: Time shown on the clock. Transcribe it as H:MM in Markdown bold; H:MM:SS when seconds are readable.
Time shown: **9:26:15**
